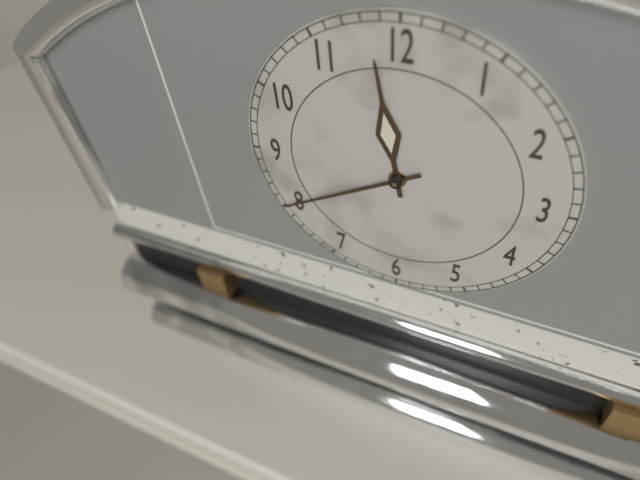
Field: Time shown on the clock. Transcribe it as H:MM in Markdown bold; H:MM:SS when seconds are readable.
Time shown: **11:40**
